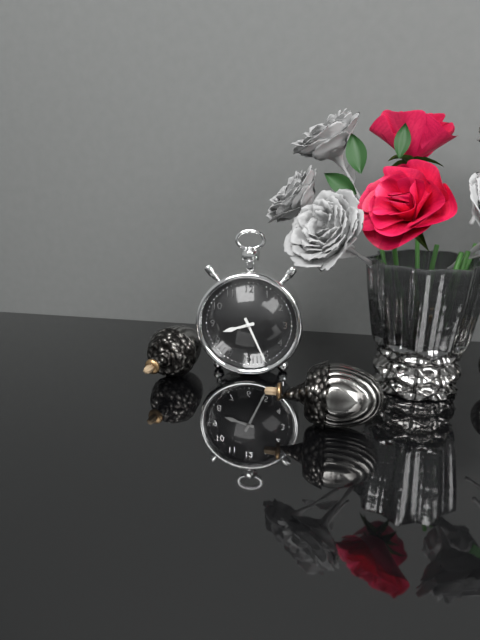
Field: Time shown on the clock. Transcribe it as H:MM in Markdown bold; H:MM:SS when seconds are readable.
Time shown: **8:26**
